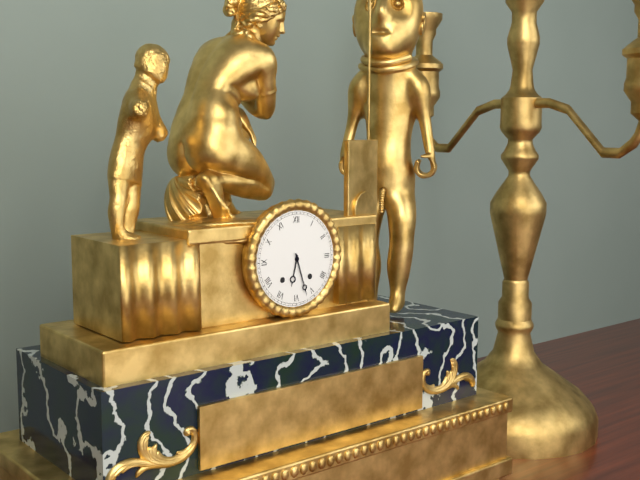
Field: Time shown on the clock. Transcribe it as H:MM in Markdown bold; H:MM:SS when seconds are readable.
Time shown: **6:27**
